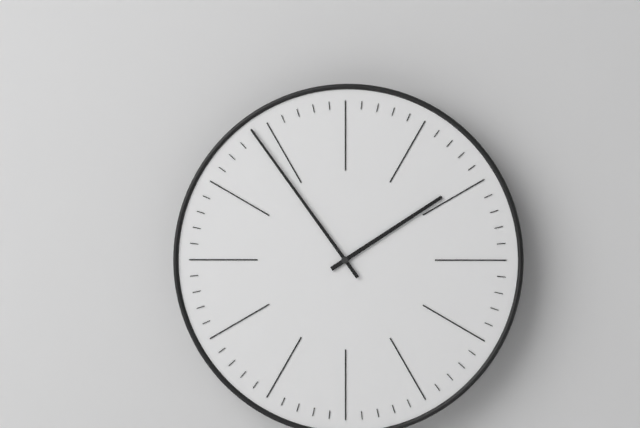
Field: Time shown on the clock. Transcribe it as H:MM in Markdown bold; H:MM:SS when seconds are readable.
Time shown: **1:54**
